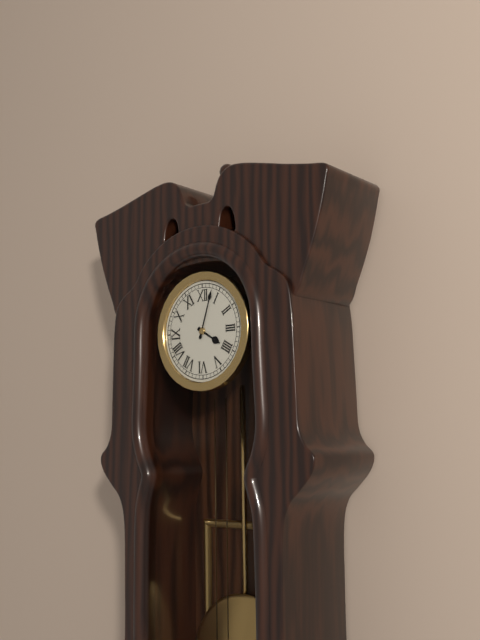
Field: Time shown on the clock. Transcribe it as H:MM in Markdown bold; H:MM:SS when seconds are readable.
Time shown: **4:03**
